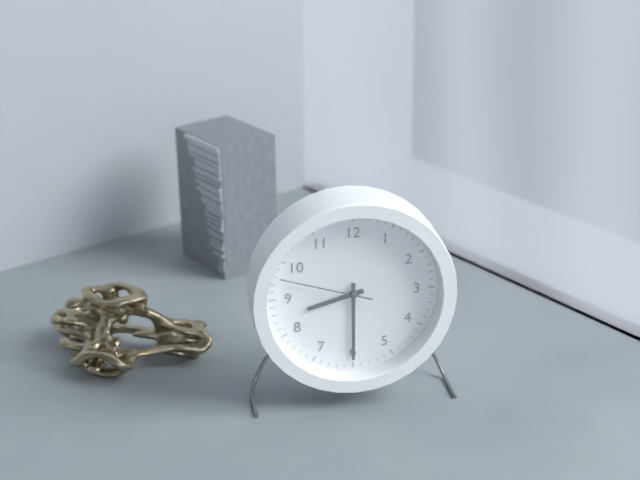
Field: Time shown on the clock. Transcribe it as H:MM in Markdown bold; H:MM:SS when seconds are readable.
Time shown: **8:30:48**
